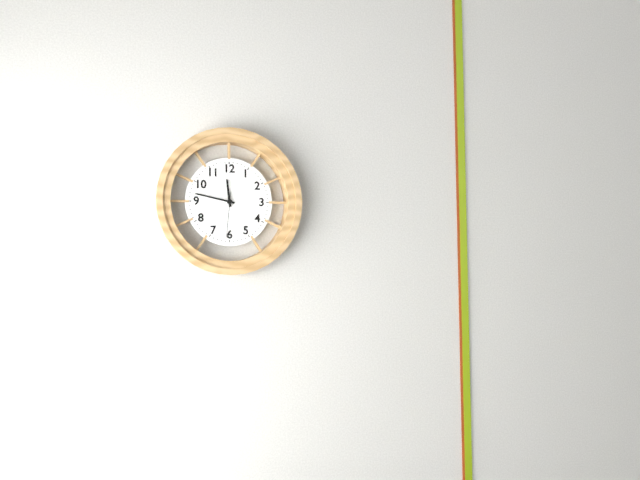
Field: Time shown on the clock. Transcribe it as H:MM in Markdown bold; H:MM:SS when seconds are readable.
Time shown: **11:47**
